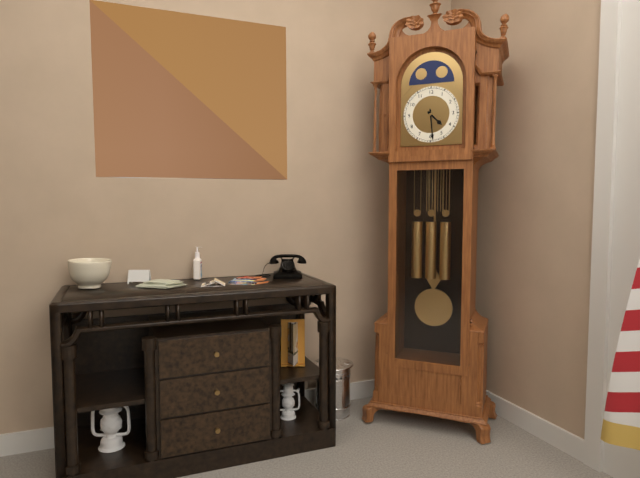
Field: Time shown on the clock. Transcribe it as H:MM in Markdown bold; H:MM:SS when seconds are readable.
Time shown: **4:29**
